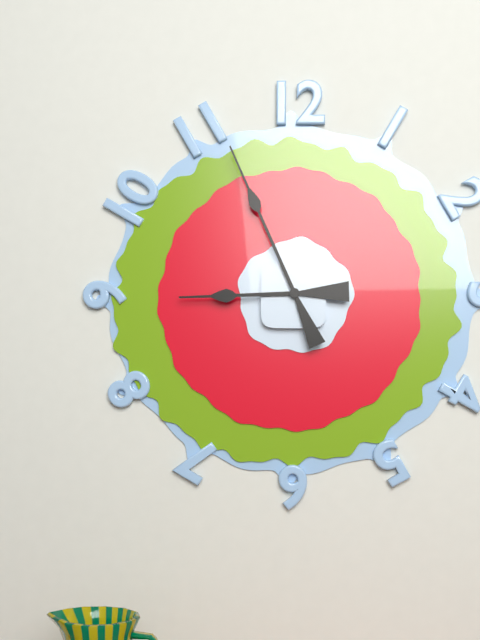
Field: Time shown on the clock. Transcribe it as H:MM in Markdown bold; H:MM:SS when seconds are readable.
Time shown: **8:56**
